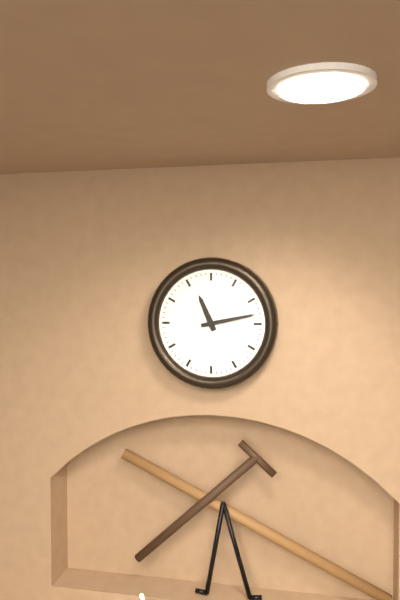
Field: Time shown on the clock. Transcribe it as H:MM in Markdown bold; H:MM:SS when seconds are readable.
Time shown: **11:13**
